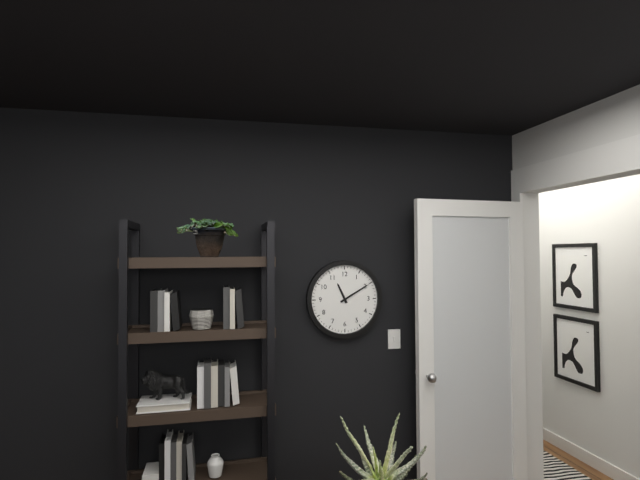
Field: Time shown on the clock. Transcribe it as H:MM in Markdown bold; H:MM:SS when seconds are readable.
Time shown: **11:10**
